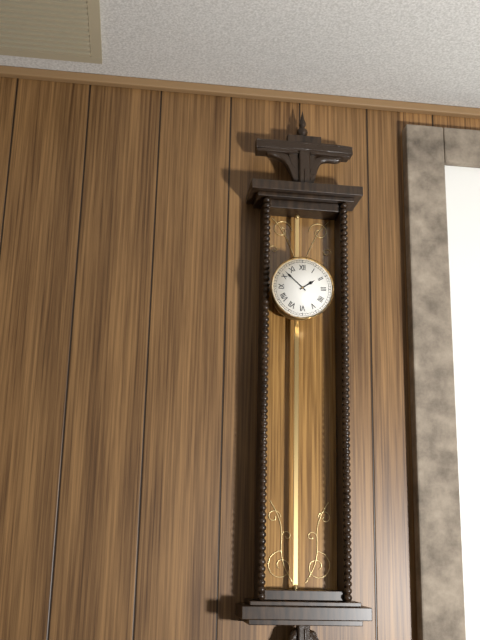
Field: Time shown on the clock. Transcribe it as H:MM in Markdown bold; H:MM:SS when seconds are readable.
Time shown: **1:52**
